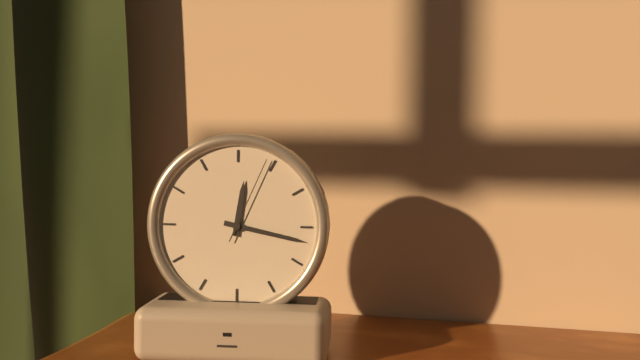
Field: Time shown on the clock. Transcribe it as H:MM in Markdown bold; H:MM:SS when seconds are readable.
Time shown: **12:17:04**
